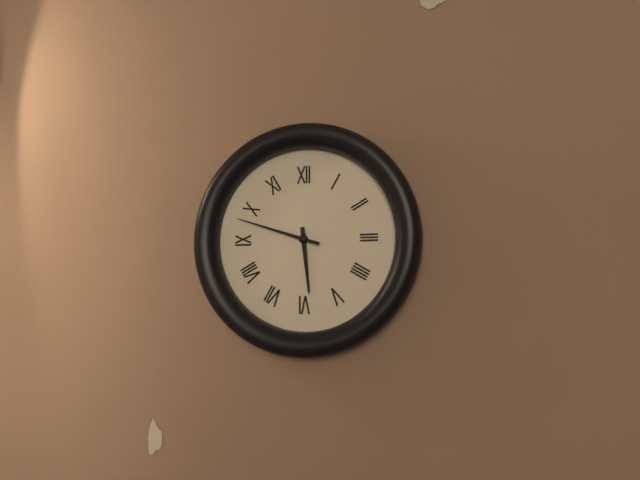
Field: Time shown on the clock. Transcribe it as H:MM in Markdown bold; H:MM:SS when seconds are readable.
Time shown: **5:48**
